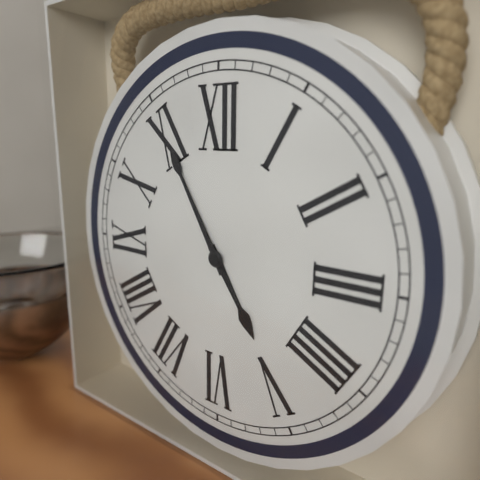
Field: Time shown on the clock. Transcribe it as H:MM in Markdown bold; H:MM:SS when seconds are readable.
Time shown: **4:55**
